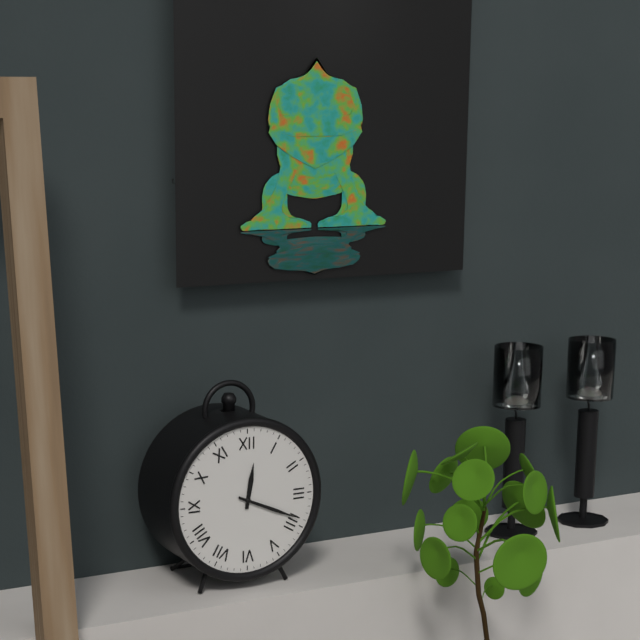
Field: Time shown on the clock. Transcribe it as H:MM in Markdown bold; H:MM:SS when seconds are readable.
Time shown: **12:19**
